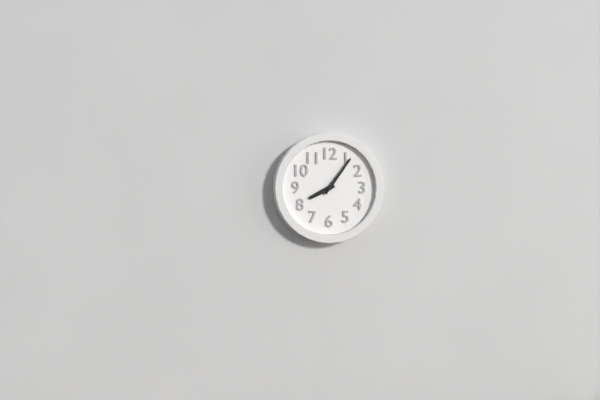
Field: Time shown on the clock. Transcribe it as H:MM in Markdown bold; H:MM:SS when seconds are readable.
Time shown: **8:06**
